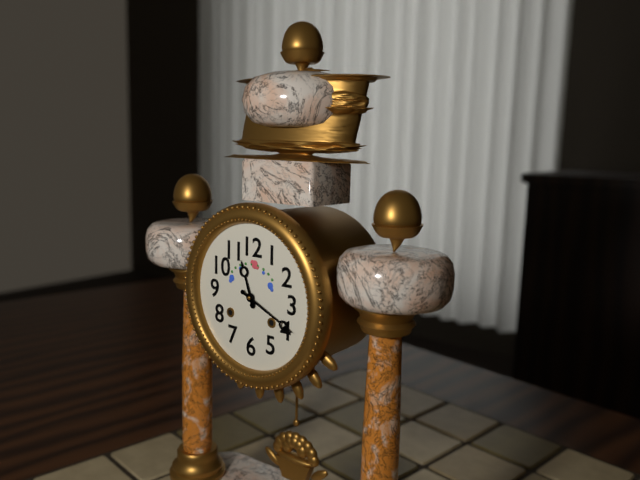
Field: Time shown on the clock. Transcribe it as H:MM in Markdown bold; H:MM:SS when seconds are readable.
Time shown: **11:19**
